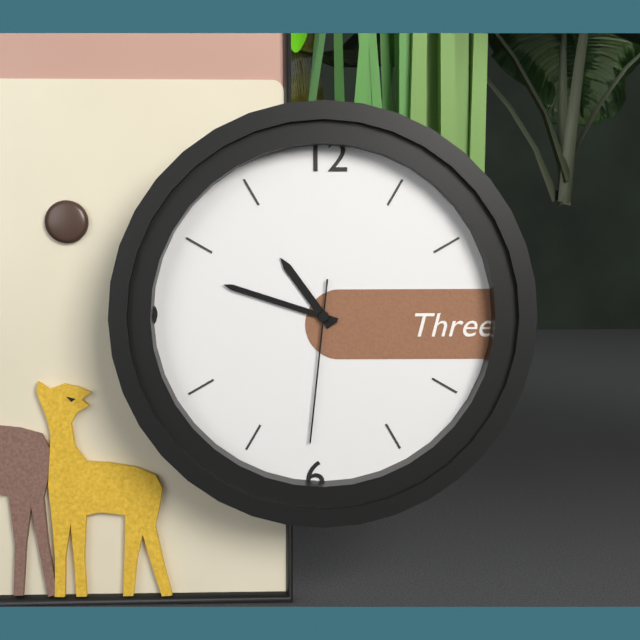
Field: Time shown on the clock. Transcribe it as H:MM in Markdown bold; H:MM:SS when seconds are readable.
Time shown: **10:48:31**
